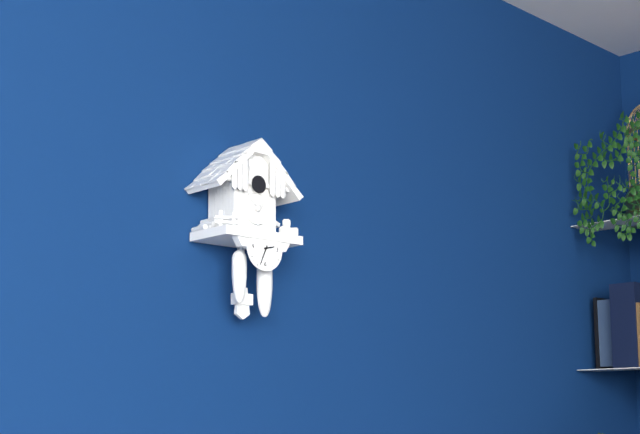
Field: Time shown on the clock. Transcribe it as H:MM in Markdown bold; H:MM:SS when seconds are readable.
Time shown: **2:34**
